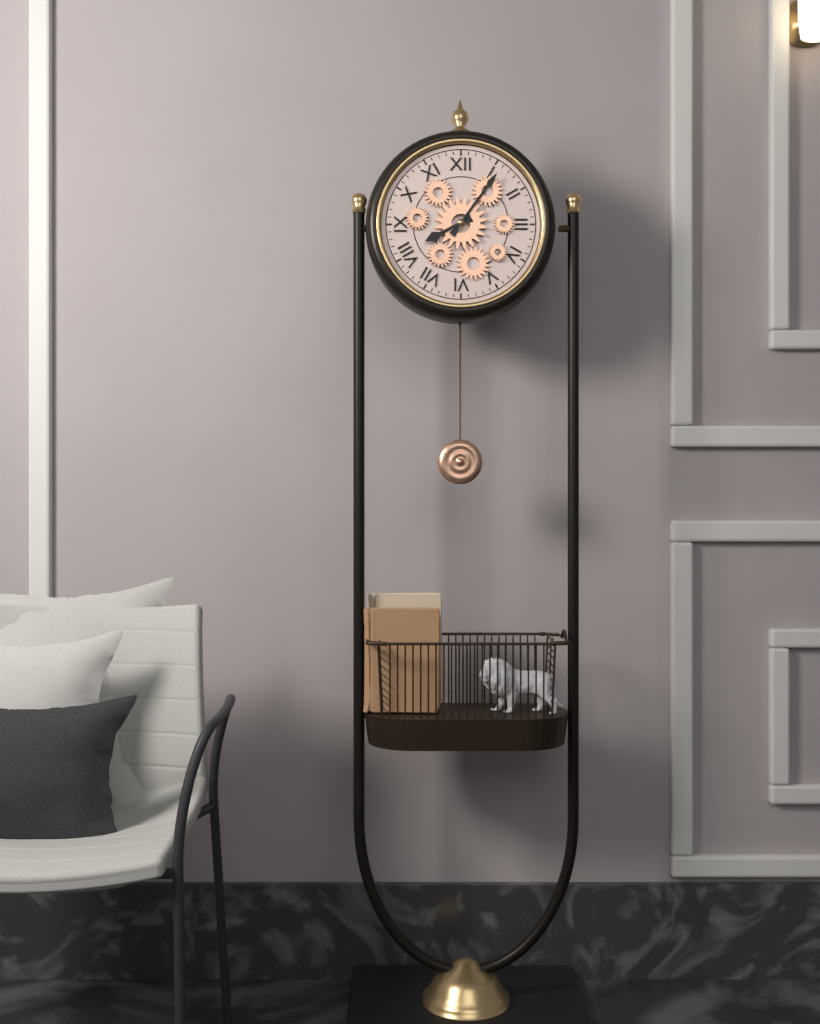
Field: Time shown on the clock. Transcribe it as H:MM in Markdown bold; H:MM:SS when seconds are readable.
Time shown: **8:06**
